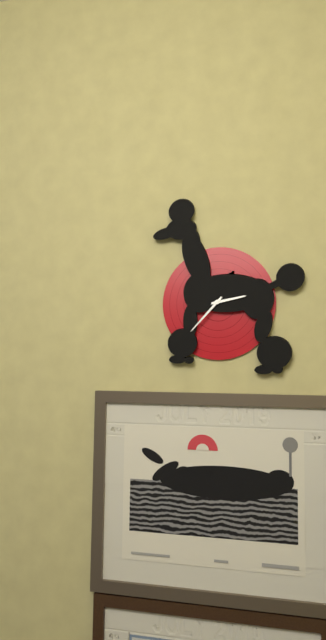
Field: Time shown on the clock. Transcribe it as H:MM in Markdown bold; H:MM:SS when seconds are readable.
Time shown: **2:37**
